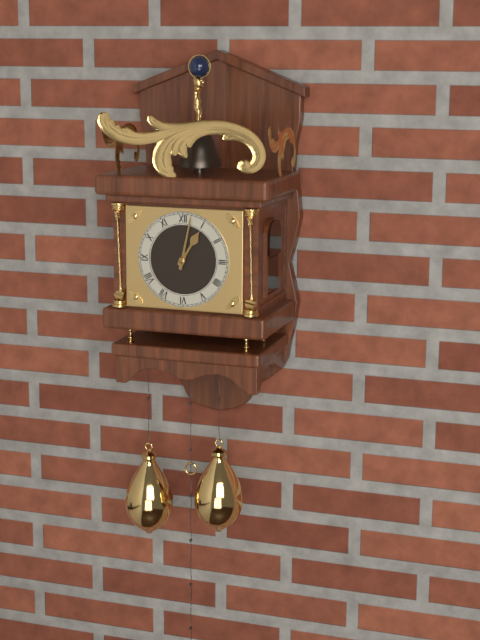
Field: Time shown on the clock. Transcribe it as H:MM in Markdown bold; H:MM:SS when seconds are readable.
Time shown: **1:02**
